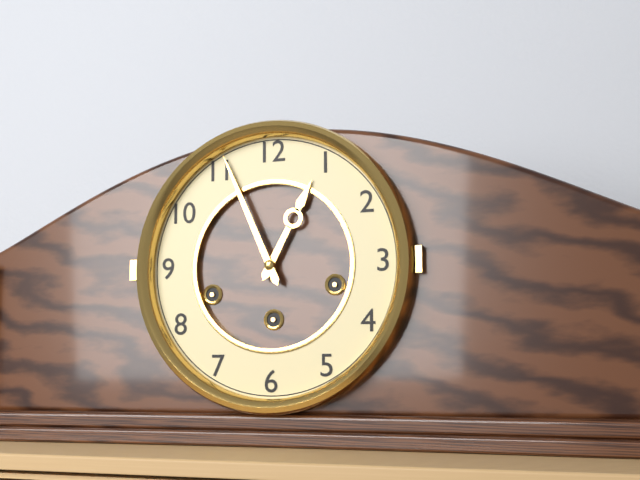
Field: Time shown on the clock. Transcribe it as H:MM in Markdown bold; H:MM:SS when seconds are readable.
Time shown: **12:56**
